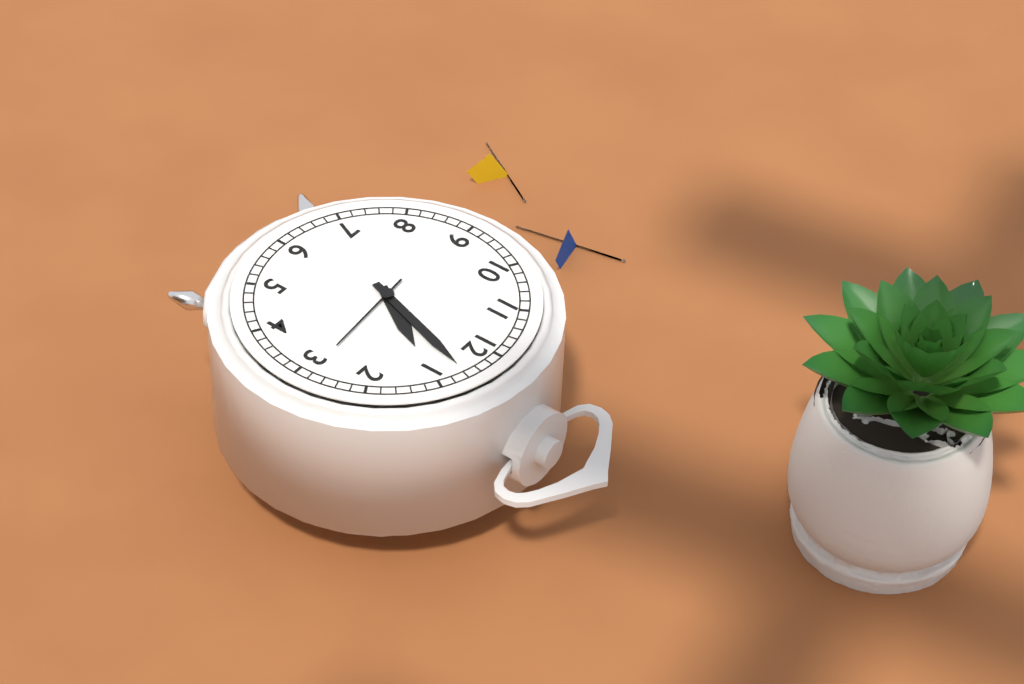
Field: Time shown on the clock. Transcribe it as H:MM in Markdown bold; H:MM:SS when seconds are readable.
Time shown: **1:03:14**
